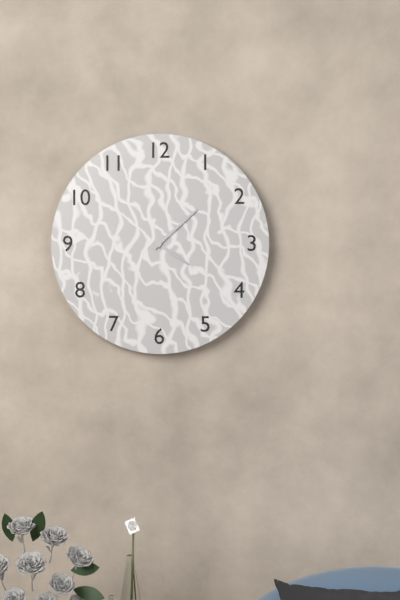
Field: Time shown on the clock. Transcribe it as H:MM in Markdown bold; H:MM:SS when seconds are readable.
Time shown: **4:08**
